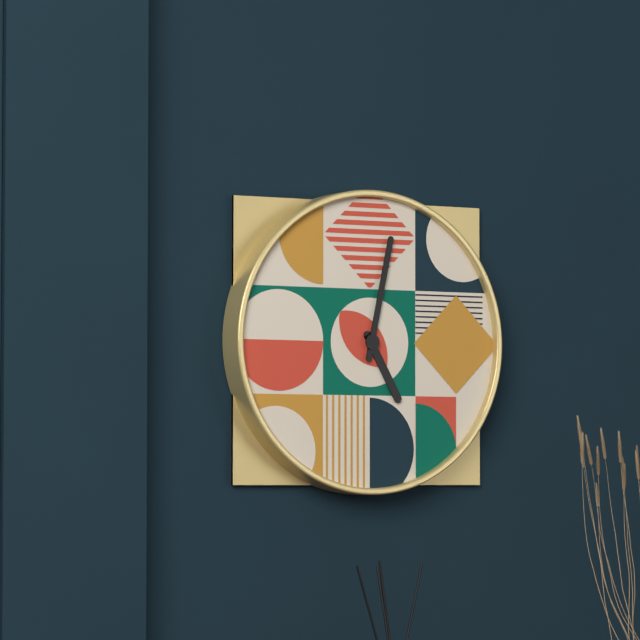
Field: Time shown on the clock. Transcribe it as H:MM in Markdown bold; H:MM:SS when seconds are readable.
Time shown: **5:02**
